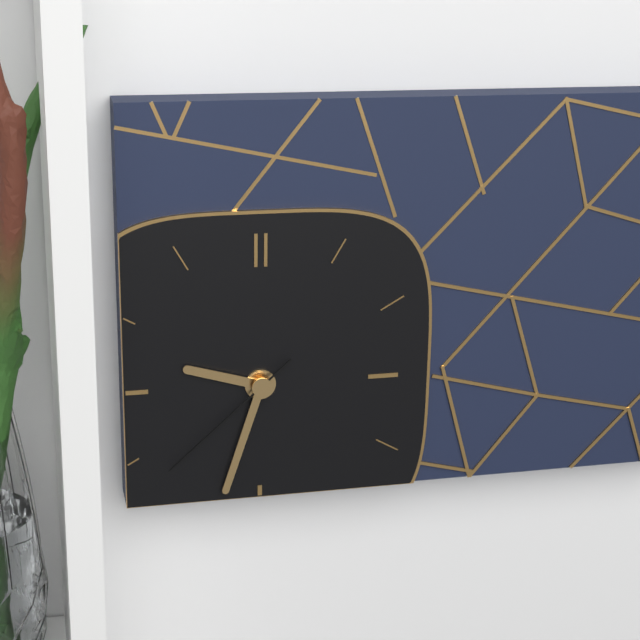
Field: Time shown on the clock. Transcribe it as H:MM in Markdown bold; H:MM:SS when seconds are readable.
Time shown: **9:33:38**
